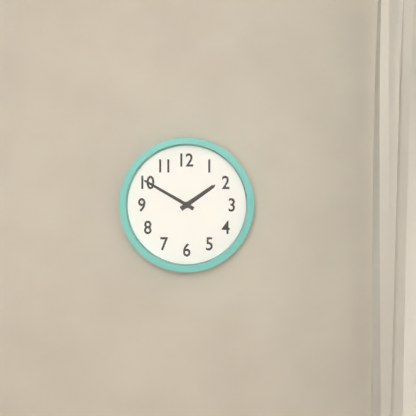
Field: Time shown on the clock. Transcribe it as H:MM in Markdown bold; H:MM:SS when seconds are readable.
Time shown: **1:50**
